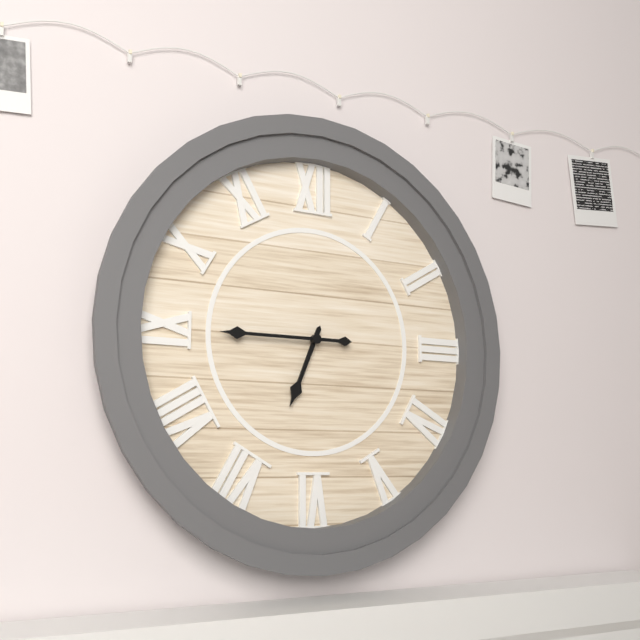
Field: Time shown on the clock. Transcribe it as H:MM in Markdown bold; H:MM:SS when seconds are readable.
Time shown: **6:45**
